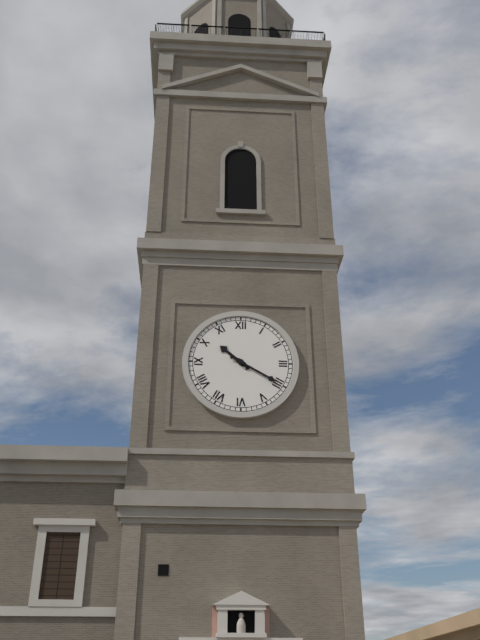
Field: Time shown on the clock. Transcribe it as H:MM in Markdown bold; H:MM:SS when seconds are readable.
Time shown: **10:20**
